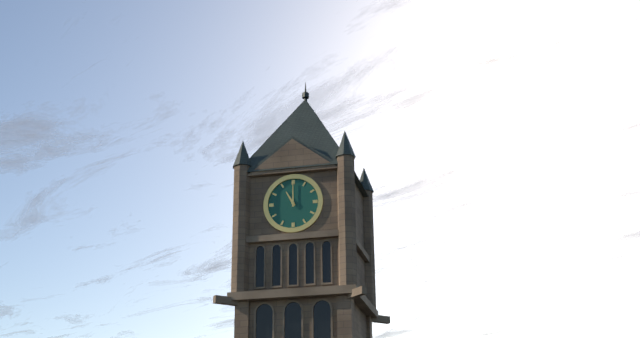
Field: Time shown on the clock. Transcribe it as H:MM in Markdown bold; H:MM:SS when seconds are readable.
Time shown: **11:00**
